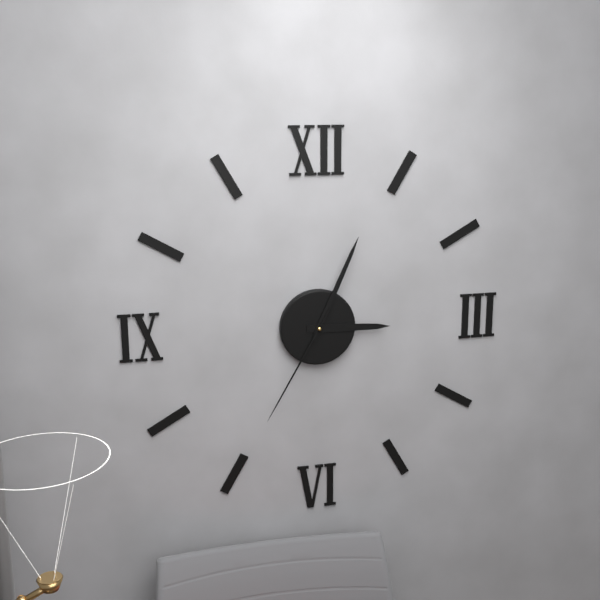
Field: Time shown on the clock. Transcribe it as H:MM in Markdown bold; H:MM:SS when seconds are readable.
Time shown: **3:04:35**
